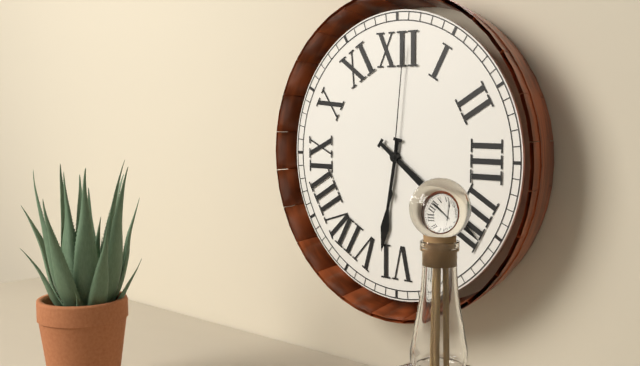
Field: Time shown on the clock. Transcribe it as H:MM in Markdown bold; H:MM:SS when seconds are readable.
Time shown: **6:21:01**
